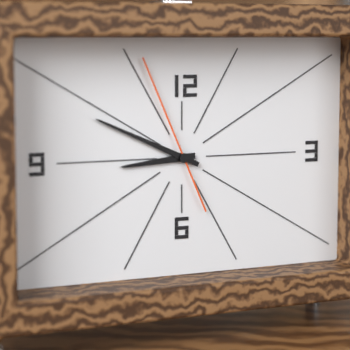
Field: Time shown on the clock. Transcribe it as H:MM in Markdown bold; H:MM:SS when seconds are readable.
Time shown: **8:49:56**
